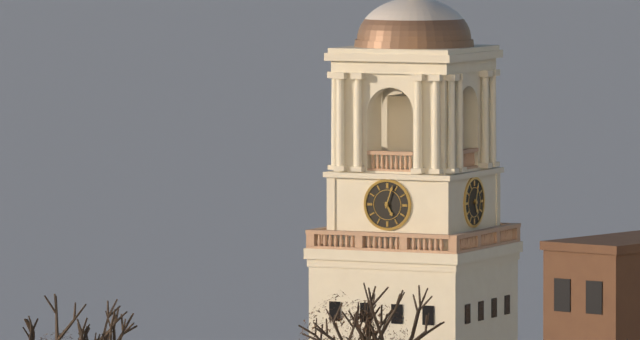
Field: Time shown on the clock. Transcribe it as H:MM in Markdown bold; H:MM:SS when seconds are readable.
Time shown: **5:03**
